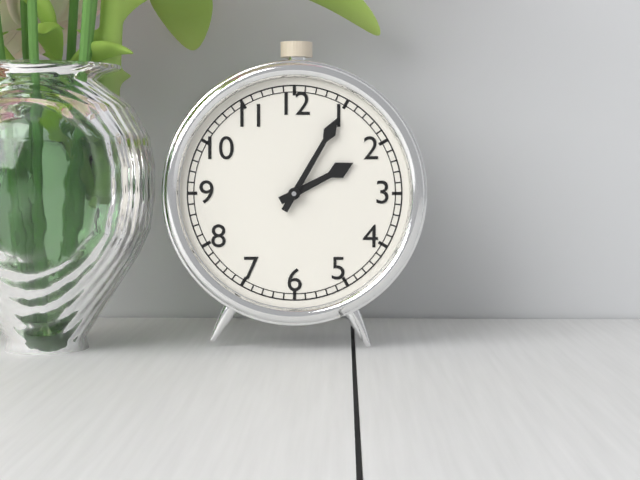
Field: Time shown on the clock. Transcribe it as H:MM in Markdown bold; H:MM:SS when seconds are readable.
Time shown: **2:05**
